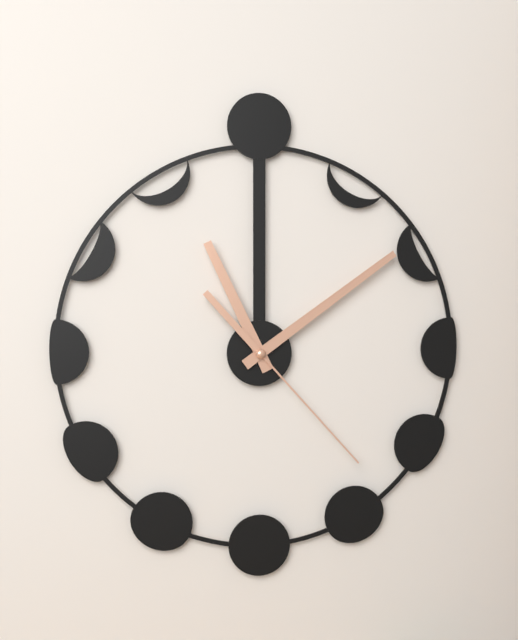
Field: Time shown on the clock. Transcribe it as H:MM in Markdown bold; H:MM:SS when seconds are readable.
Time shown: **11:09:23**
